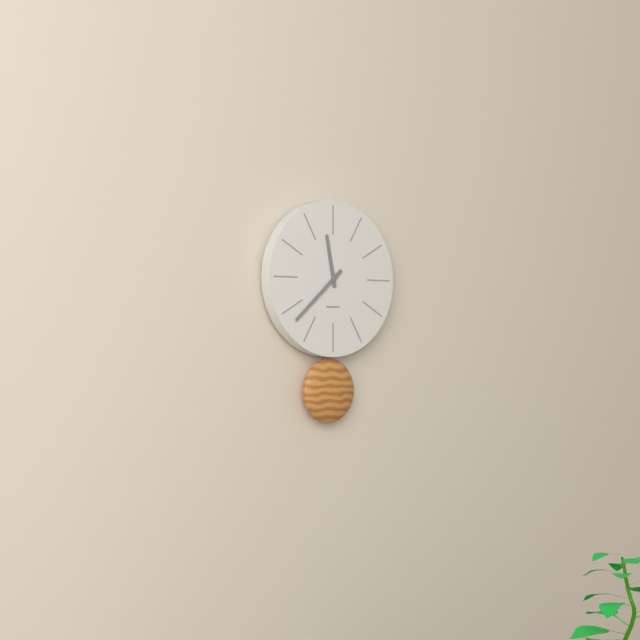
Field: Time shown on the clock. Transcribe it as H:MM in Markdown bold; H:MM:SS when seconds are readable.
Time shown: **11:38**
